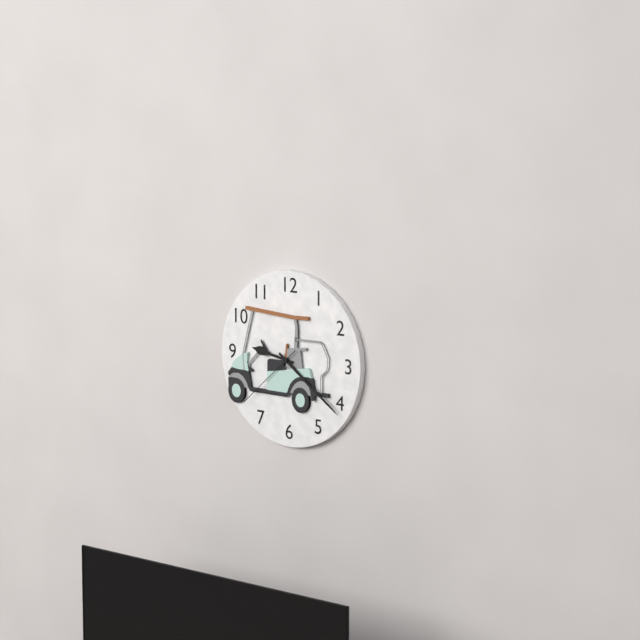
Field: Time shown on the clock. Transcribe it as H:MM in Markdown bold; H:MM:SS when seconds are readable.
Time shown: **9:21:38**
